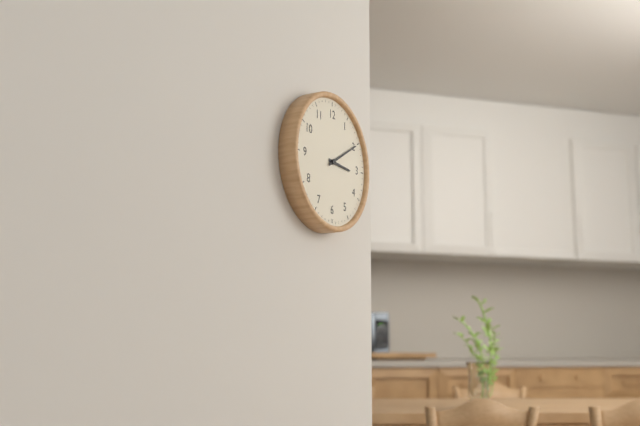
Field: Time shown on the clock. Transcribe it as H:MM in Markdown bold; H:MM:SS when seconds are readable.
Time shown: **3:10**
